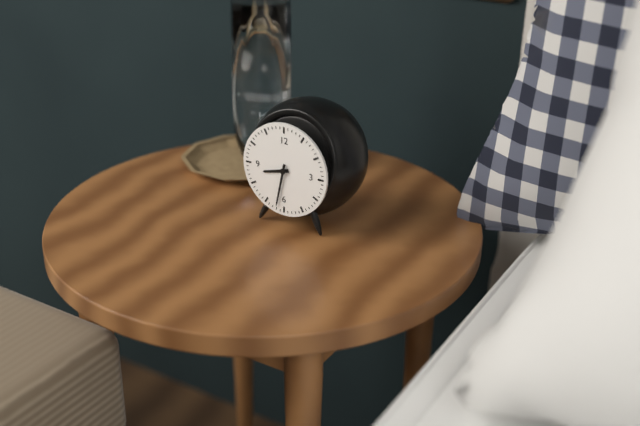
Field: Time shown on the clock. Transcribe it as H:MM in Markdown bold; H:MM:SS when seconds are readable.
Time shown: **8:32**
